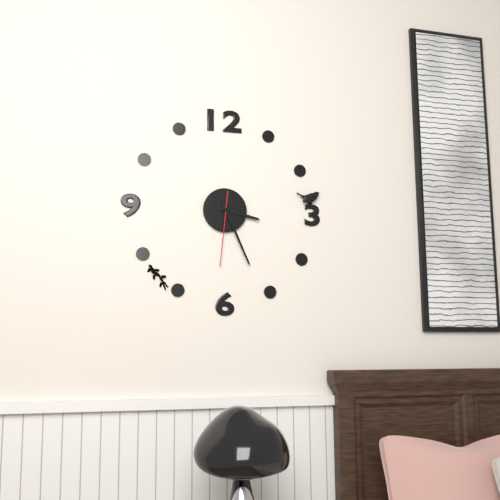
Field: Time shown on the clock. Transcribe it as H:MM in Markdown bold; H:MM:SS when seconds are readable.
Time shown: **3:26:31**
